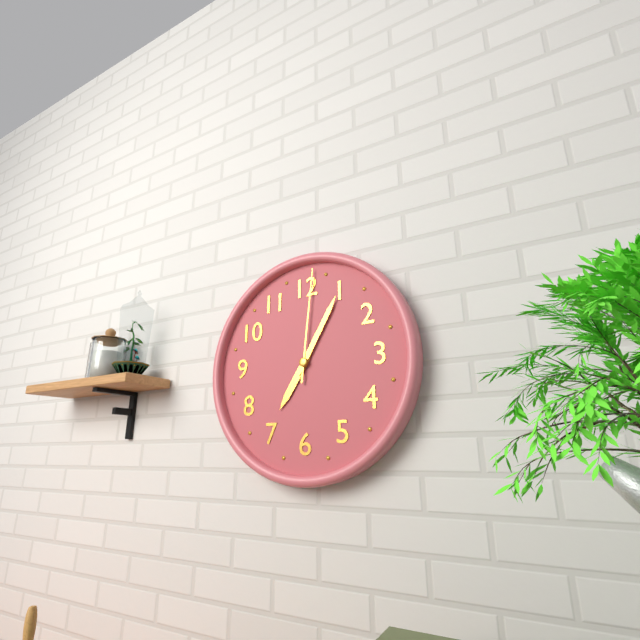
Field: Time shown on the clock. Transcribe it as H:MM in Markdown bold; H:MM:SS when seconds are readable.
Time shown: **7:05:01**
